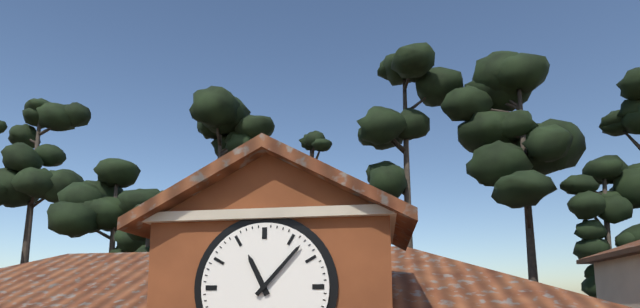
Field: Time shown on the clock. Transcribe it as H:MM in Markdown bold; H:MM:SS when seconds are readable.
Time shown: **11:07**
